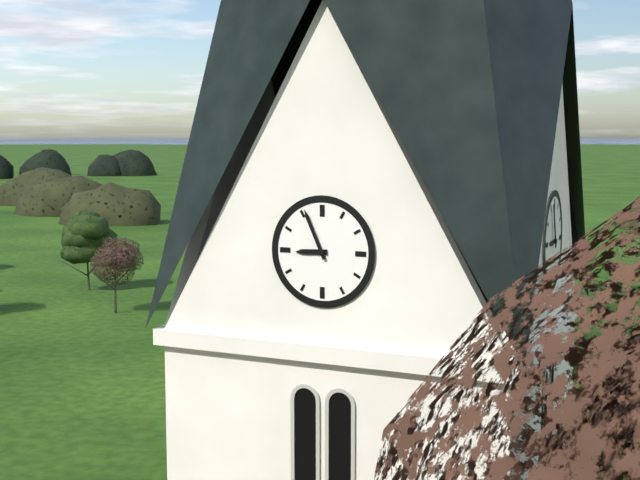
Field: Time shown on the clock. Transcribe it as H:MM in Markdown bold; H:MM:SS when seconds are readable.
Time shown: **8:56**
